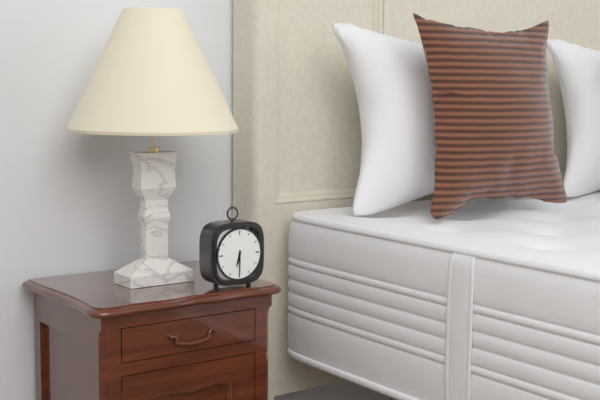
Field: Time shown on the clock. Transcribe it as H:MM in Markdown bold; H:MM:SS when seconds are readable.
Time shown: **6:30**
